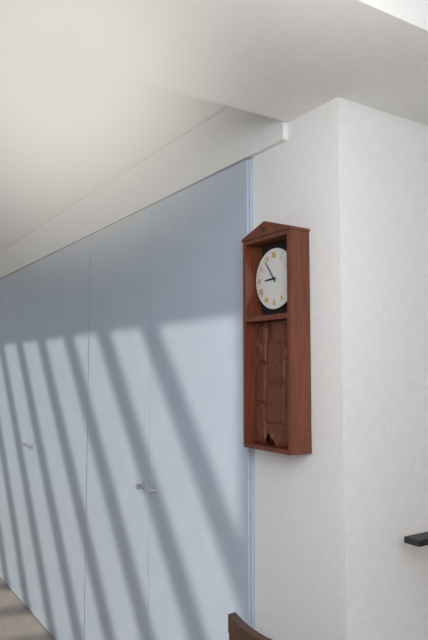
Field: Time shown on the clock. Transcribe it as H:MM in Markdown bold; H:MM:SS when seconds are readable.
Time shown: **8:54**
